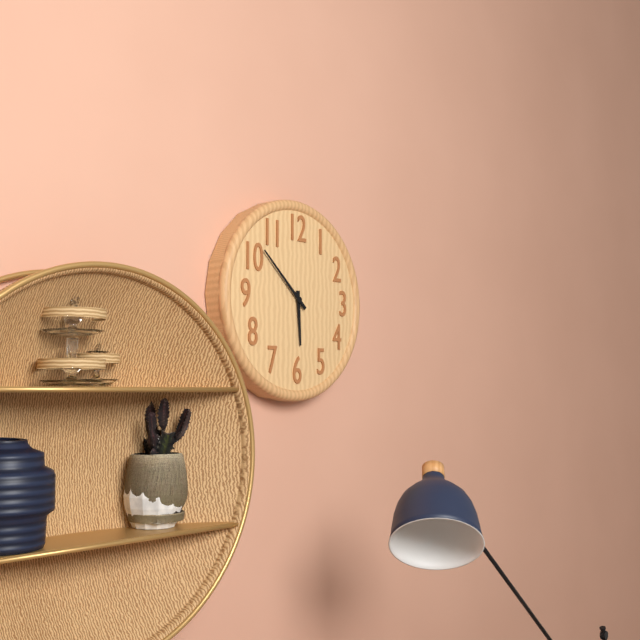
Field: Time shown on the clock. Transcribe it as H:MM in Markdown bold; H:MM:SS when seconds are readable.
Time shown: **5:52**
